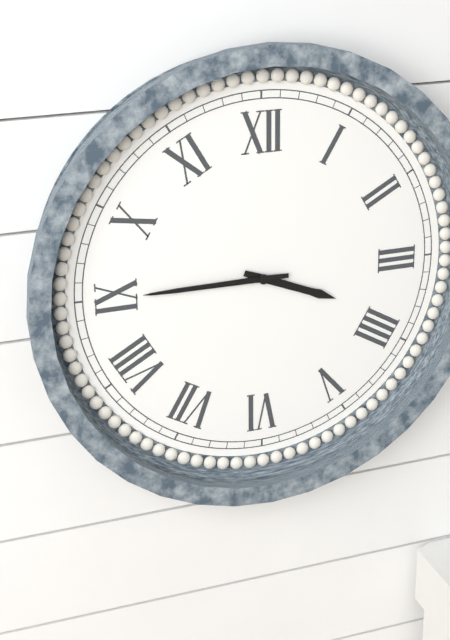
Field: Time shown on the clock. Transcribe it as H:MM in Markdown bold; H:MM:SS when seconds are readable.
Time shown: **3:45**
